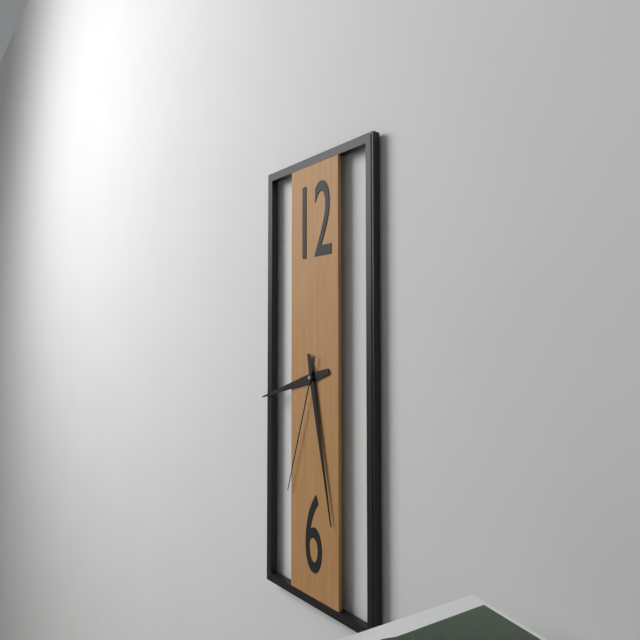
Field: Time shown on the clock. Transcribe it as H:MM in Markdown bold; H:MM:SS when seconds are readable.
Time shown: **8:28:33**
